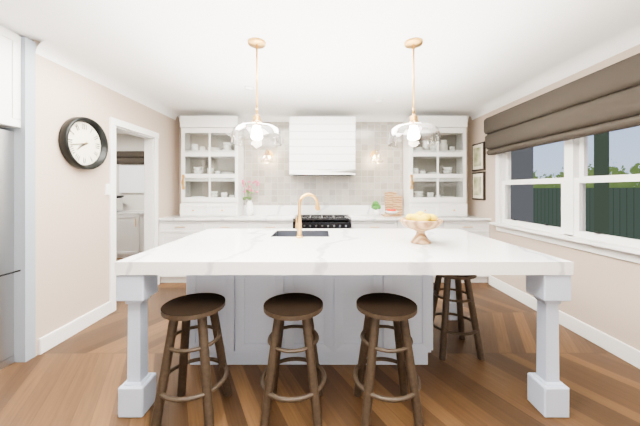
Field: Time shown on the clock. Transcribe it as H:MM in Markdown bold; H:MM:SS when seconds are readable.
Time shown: **7:43**
